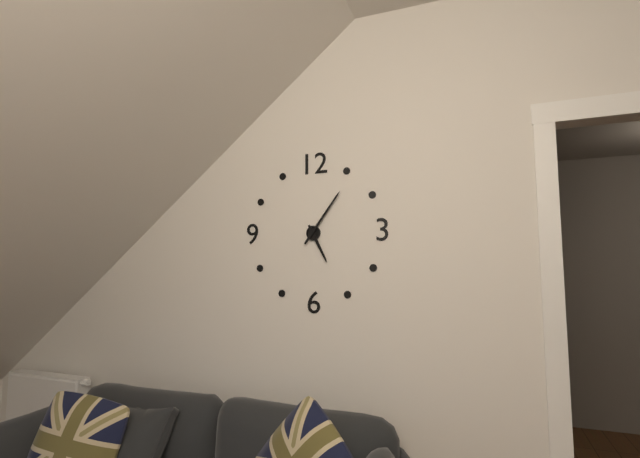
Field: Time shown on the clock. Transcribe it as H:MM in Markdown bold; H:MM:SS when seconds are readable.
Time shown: **5:06**
